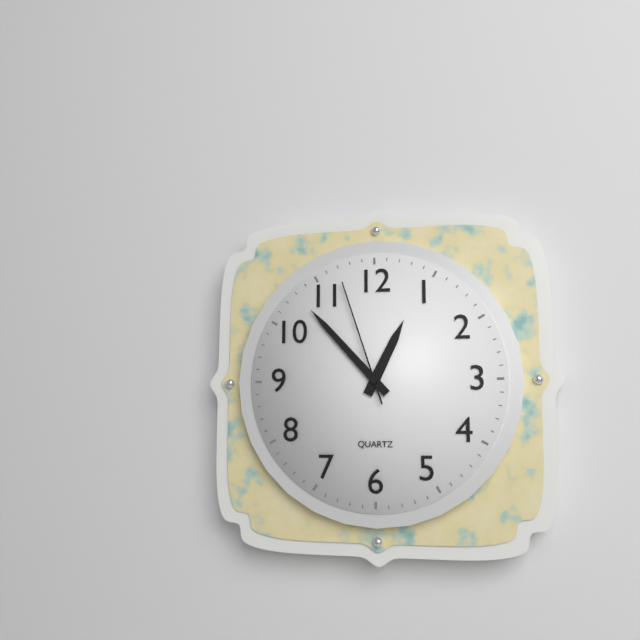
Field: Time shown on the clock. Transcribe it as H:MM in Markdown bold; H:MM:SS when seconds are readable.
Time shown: **12:53:57**
